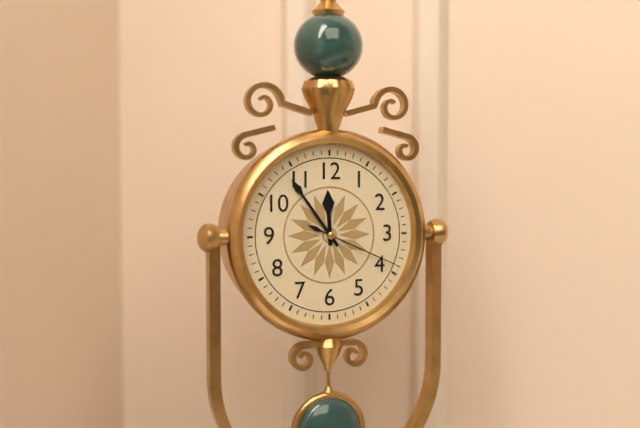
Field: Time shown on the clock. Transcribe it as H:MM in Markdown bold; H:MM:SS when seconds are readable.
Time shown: **11:54:19**
